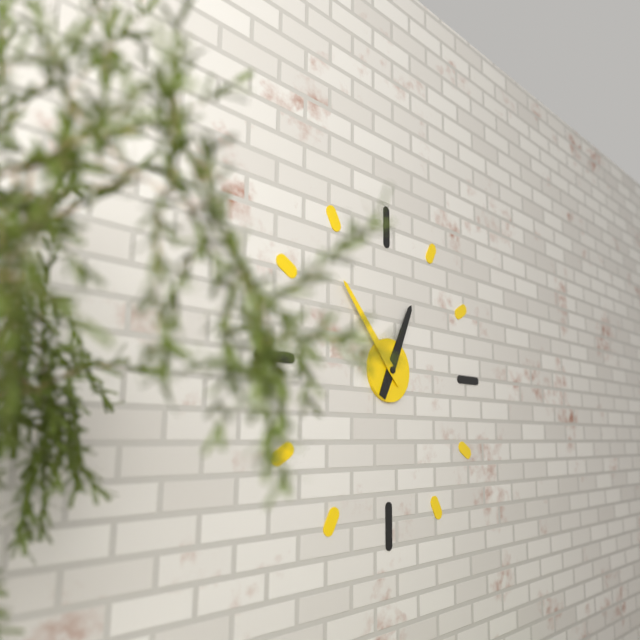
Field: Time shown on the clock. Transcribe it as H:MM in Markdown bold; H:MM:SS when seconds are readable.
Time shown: **12:53**
